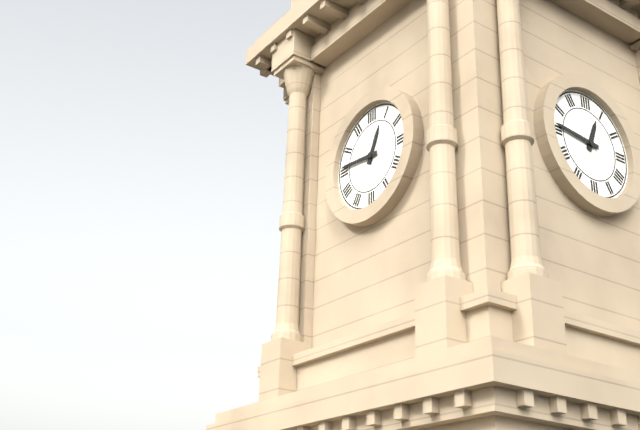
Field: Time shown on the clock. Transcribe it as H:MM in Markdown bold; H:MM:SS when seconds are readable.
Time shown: **12:46**
